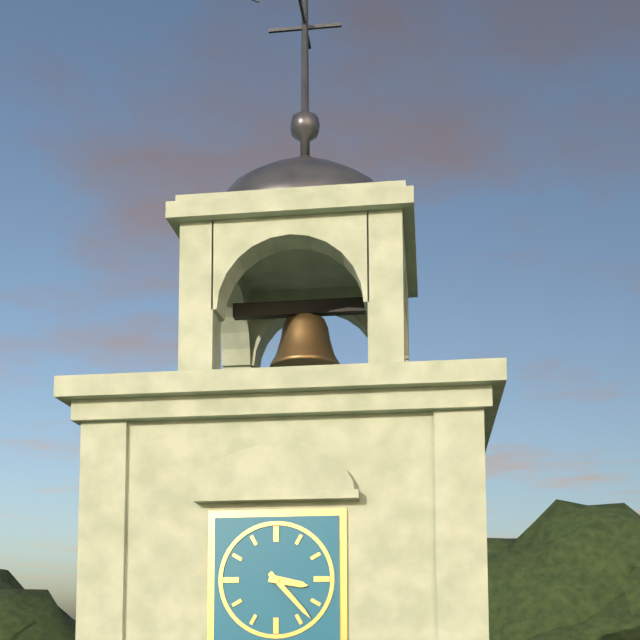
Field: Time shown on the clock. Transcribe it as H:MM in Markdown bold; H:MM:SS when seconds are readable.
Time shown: **3:23**
